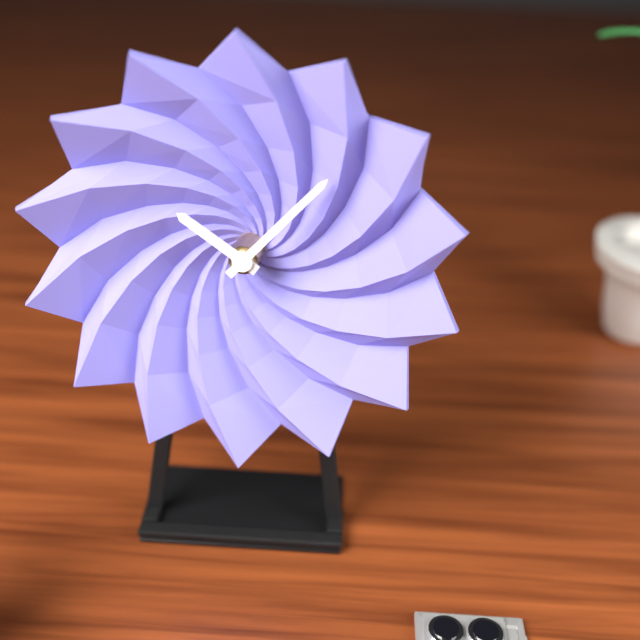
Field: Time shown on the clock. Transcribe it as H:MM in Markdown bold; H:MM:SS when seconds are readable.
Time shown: **10:07**
